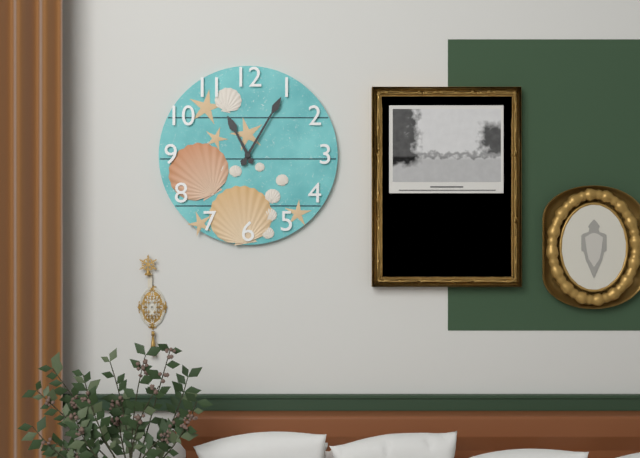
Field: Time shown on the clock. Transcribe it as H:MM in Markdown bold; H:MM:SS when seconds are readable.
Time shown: **11:05**
